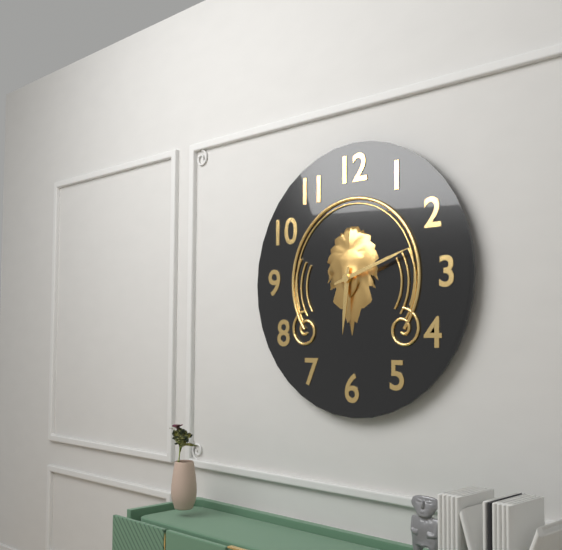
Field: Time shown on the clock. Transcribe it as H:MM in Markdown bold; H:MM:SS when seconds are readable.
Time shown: **6:12**
